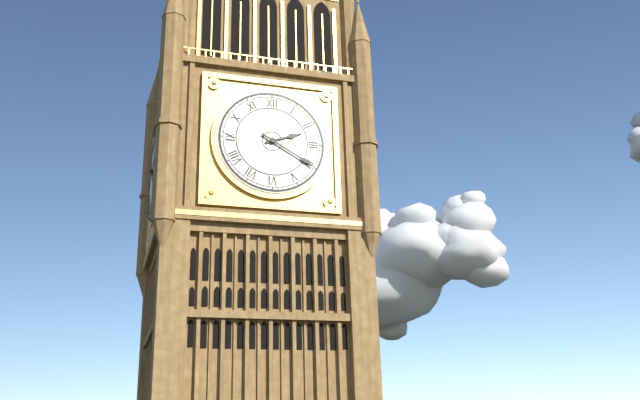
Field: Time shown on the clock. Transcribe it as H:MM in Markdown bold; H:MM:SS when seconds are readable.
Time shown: **2:20**
